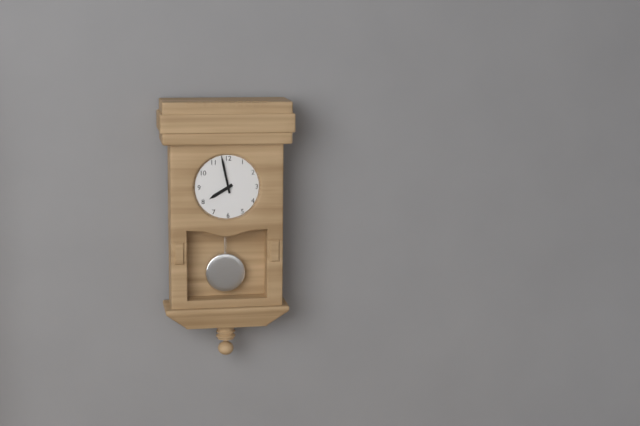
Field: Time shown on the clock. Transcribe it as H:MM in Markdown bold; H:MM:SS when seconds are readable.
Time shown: **7:58**
